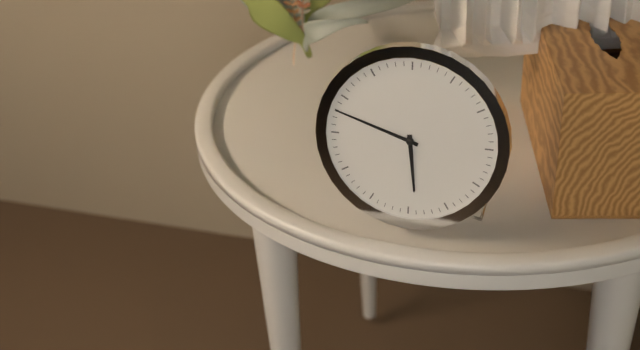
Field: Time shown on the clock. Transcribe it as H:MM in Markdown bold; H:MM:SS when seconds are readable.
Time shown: **5:48**
